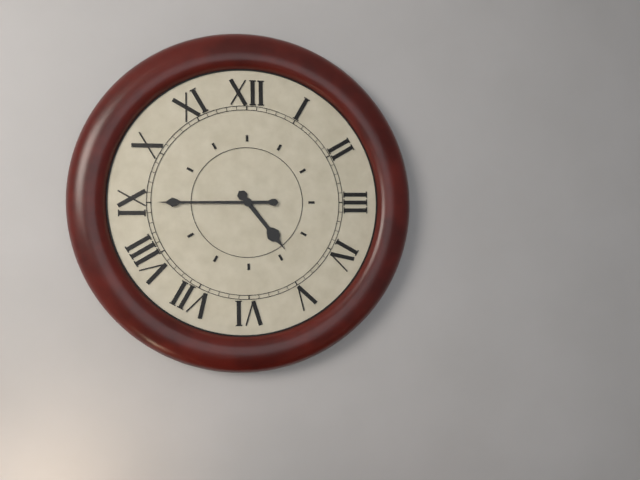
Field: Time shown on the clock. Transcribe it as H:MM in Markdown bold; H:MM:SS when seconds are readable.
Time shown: **4:45**
